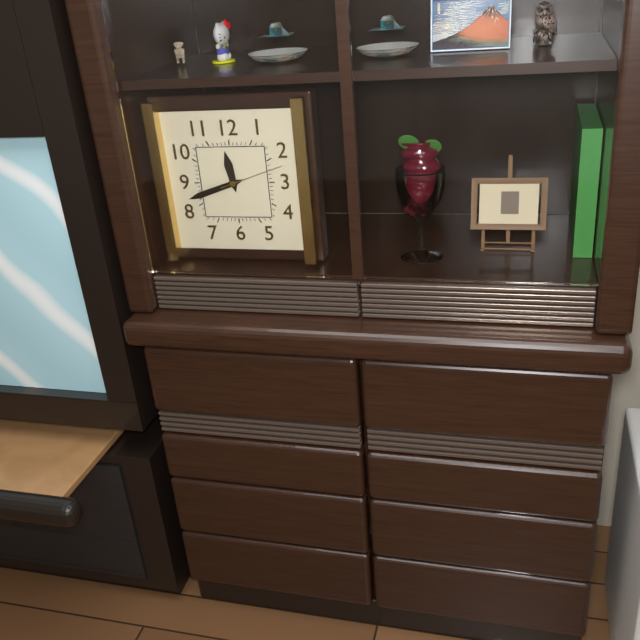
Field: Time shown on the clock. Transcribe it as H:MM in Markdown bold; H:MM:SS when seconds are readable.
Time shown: **11:42:12**
